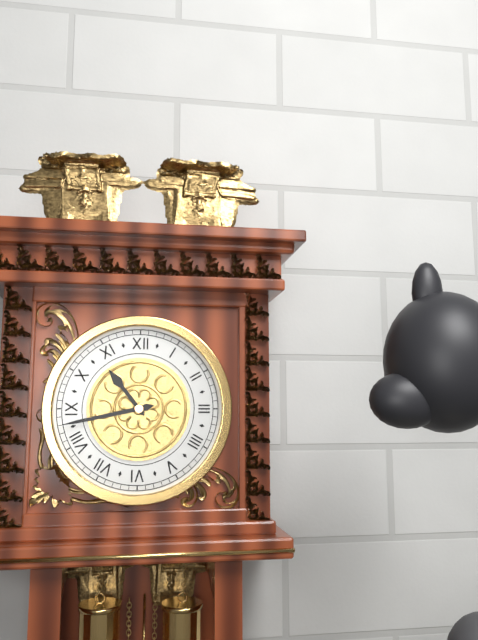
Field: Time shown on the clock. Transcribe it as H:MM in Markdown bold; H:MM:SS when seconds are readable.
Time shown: **10:43**
